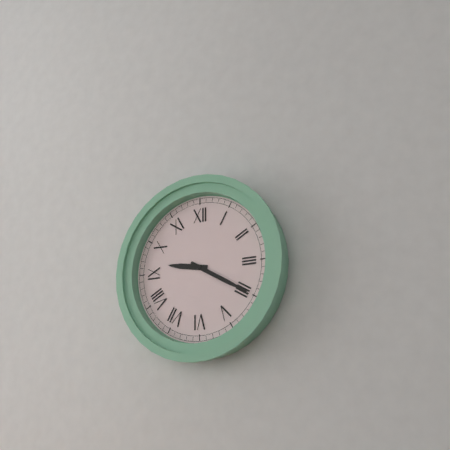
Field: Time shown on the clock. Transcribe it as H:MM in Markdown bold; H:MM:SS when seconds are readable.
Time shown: **9:20**
